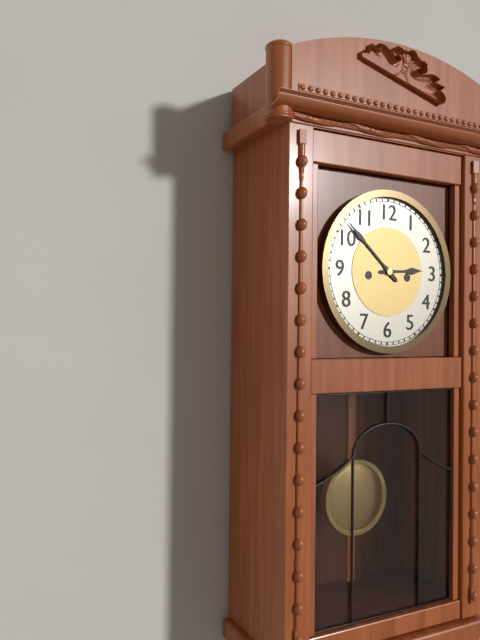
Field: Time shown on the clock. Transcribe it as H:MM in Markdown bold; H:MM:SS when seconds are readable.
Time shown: **2:52**
